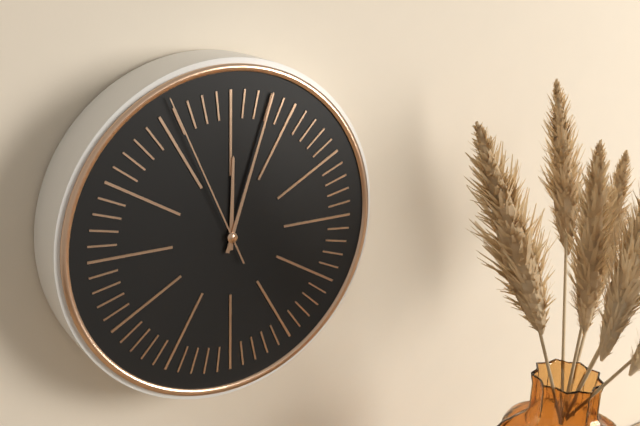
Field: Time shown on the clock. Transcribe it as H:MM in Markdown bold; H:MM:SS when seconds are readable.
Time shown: **12:03:56**
